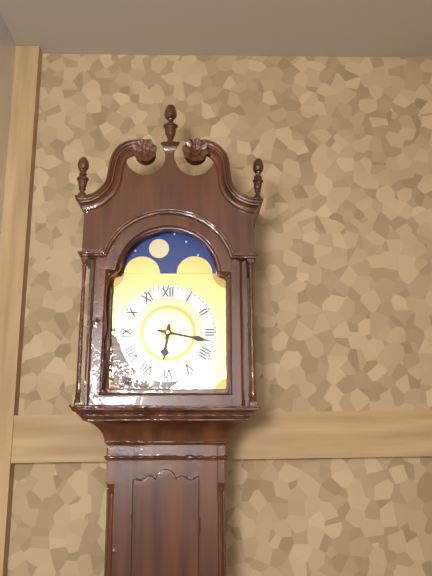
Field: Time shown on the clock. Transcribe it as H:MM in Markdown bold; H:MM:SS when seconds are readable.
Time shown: **6:17**
